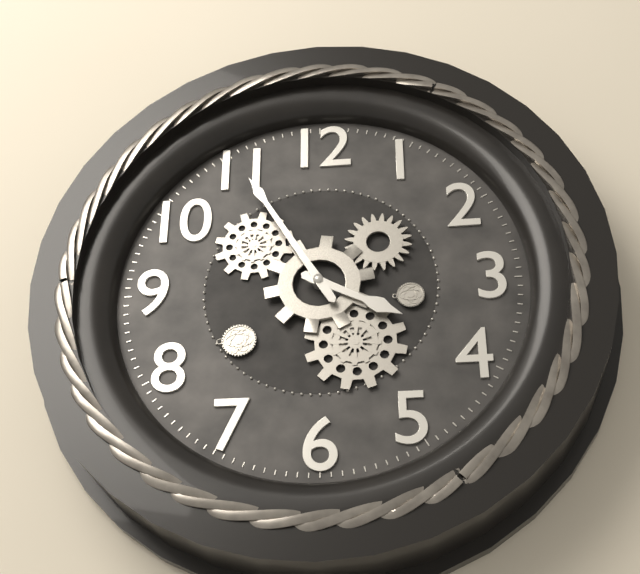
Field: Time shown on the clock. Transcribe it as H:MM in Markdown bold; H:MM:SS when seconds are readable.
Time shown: **3:55**
